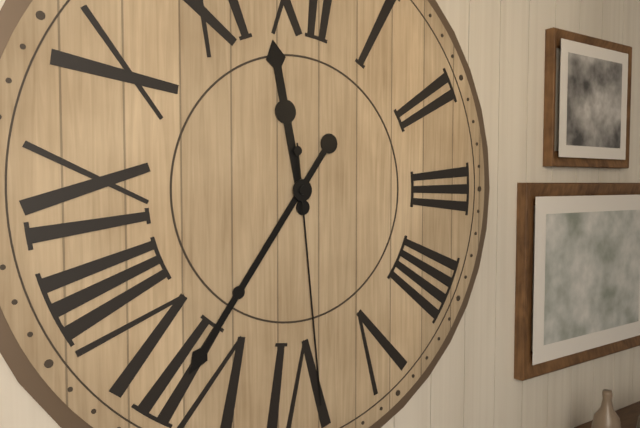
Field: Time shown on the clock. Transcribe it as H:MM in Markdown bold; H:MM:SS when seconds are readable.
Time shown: **11:36:29**
